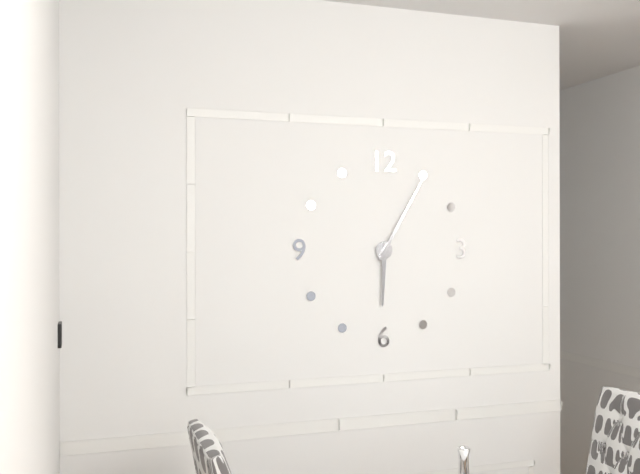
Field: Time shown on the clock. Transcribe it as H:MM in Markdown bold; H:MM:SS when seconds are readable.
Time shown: **6:05**
